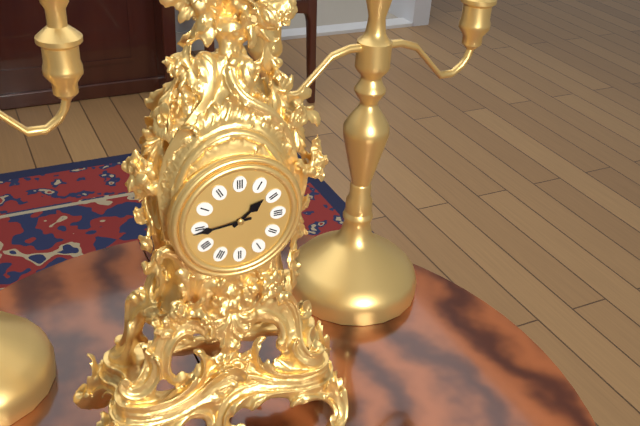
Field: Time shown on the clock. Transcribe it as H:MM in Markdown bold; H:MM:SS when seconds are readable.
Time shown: **1:44**
